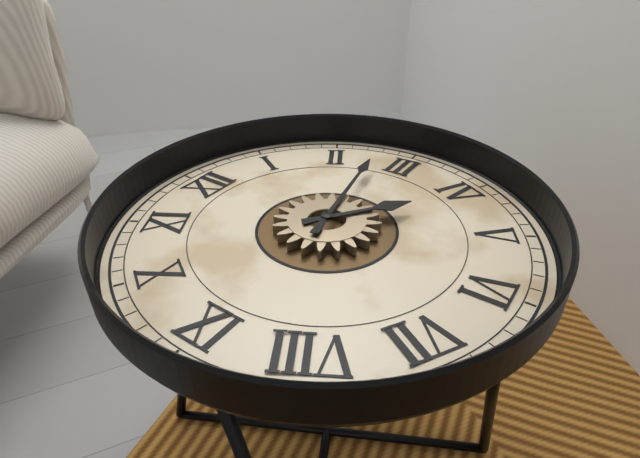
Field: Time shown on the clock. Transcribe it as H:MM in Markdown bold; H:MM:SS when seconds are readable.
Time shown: **4:13**
